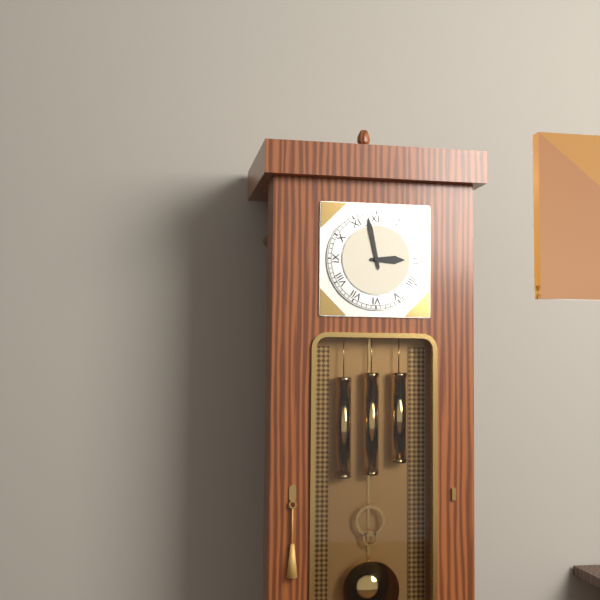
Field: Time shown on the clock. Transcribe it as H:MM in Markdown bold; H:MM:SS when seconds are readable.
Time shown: **2:58**
